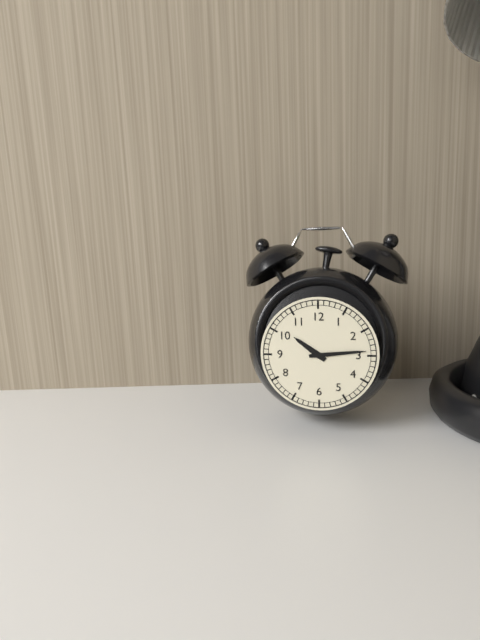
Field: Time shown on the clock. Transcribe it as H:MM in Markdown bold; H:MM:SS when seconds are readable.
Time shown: **10:14**
